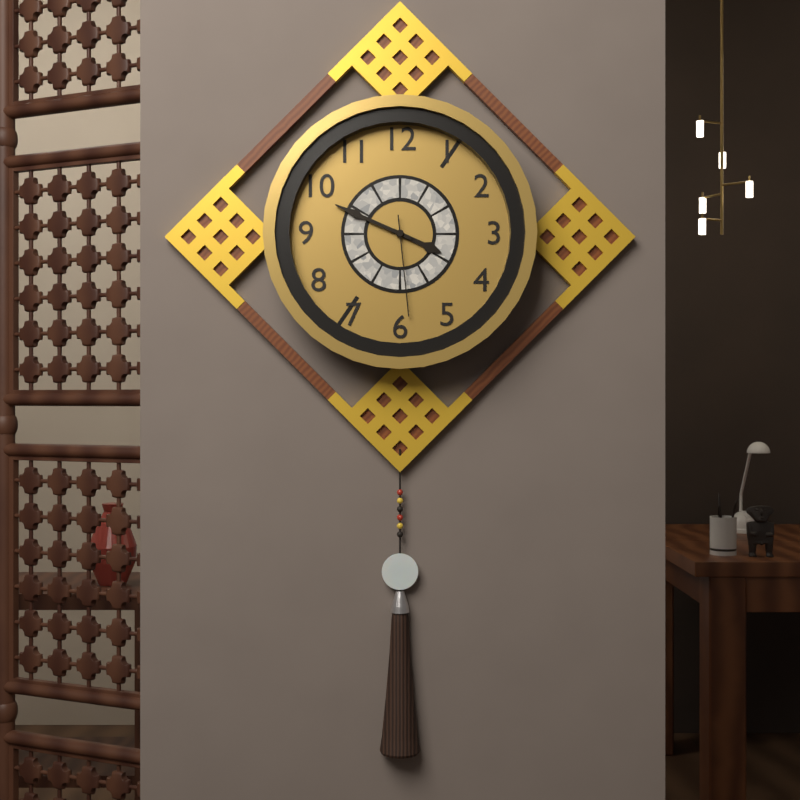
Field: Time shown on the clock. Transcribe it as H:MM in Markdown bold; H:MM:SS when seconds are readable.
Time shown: **3:49:29**
